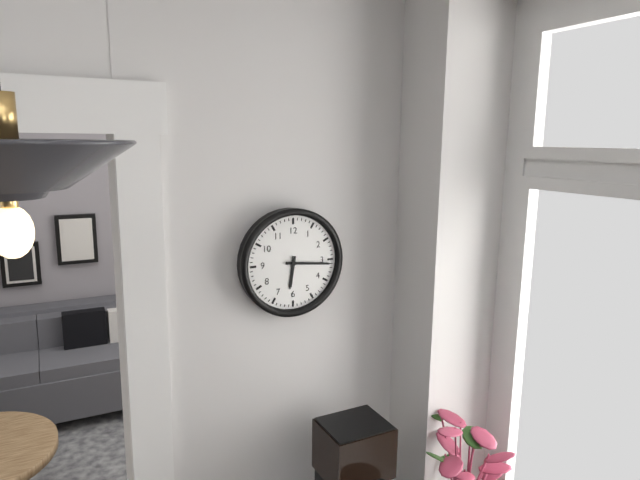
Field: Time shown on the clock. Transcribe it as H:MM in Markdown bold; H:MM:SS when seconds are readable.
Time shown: **6:16**
